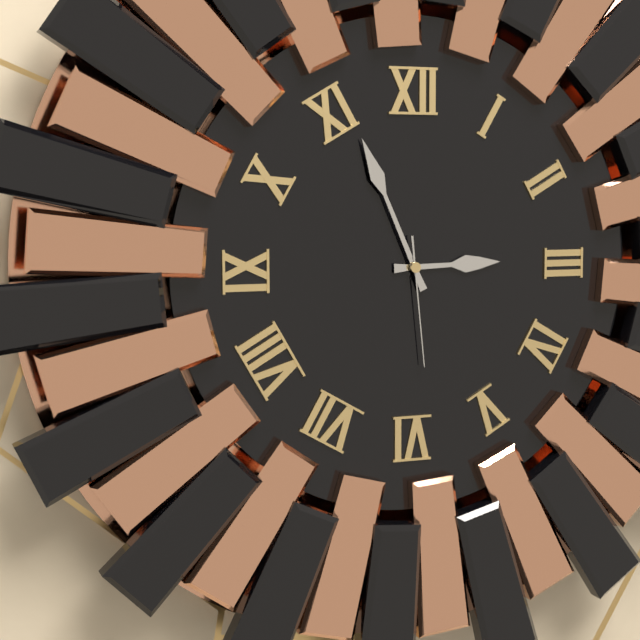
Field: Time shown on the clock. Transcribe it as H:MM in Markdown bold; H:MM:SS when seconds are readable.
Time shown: **2:56:29**
